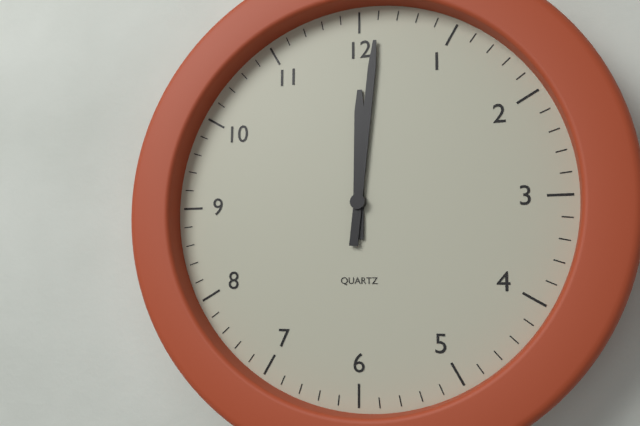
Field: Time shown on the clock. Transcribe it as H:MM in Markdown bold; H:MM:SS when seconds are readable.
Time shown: **12:01**
